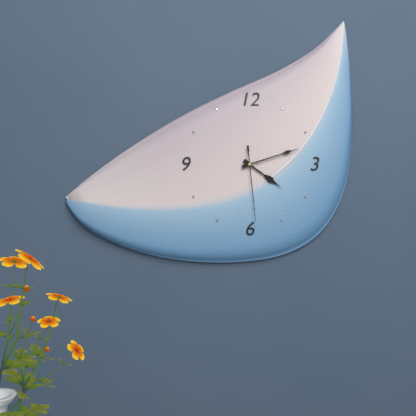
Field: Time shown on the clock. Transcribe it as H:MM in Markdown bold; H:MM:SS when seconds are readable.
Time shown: **4:12:29**
